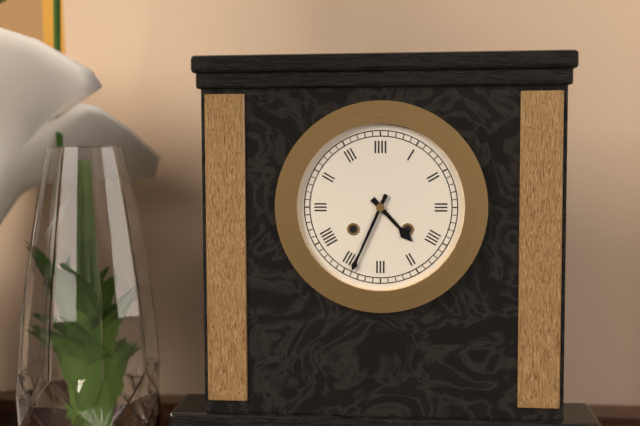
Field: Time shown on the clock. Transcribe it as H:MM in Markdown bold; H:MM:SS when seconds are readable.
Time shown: **4:34**
